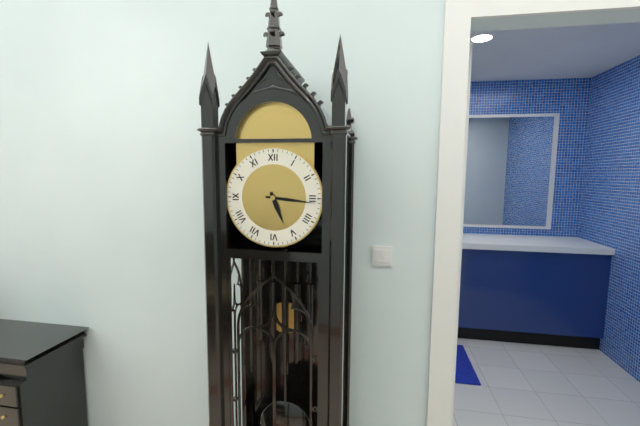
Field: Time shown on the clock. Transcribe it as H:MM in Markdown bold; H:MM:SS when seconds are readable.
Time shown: **5:16**
